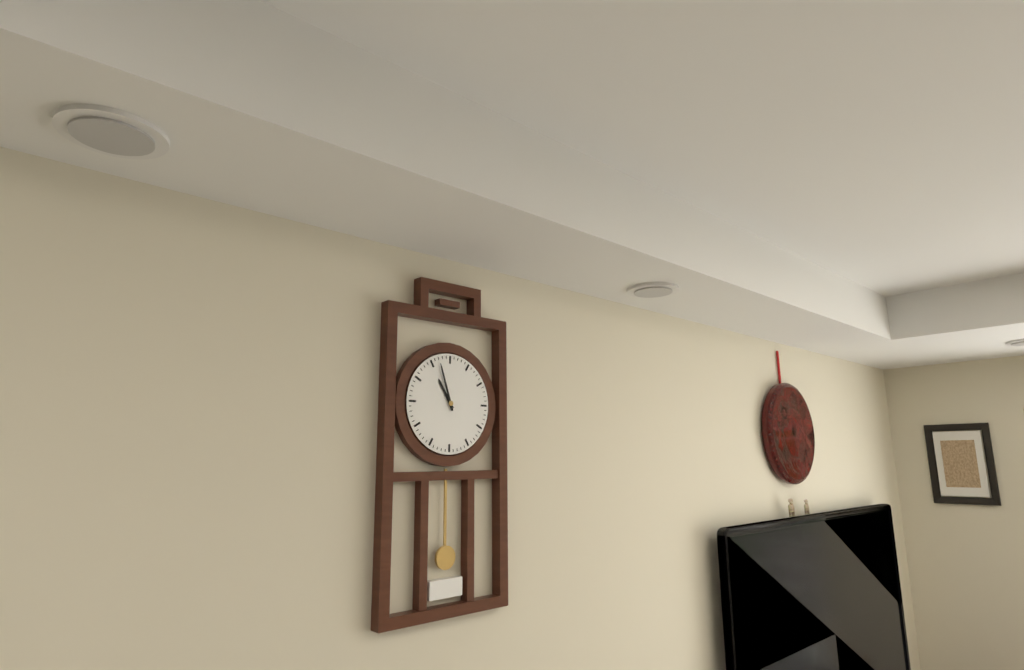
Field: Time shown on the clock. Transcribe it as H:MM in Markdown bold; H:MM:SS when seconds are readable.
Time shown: **10:57**
